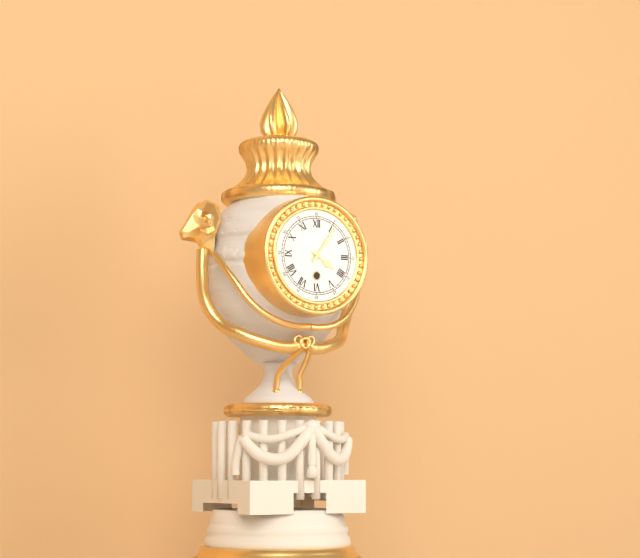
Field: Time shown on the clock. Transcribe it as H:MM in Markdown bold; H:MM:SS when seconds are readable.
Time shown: **4:06**
